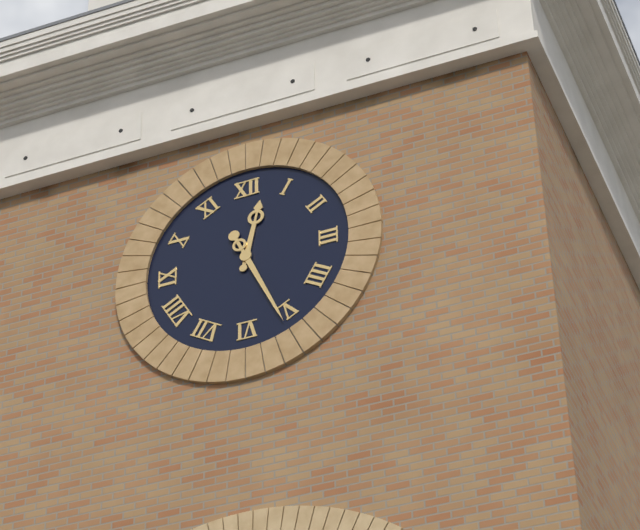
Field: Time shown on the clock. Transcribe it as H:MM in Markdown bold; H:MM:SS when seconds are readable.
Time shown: **12:26**
